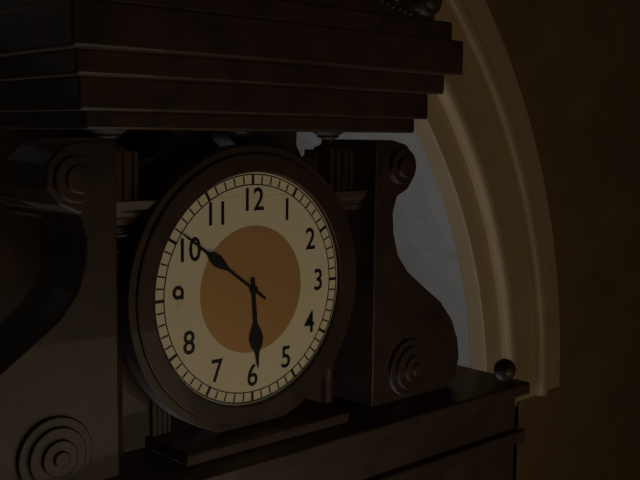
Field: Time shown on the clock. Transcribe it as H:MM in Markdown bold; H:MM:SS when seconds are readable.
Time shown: **5:51**
